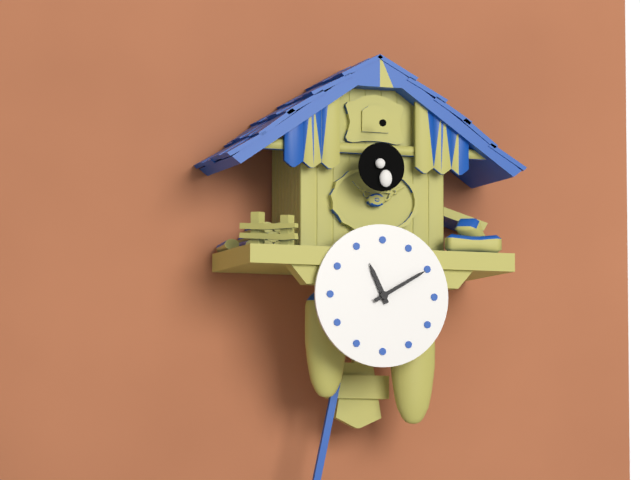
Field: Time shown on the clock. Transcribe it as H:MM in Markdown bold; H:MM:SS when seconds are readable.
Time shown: **11:10**
